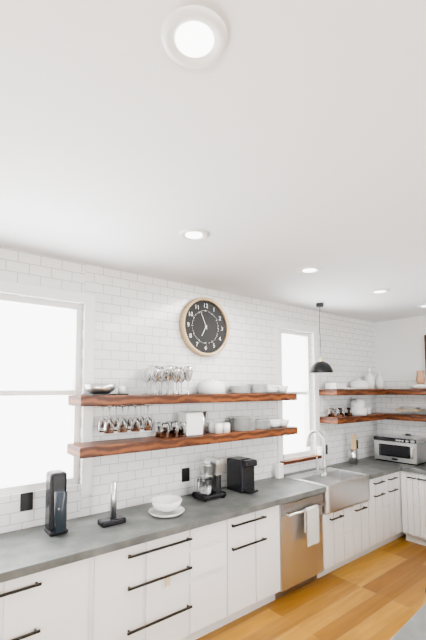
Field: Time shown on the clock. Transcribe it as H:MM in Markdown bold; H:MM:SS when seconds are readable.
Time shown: **6:56**
